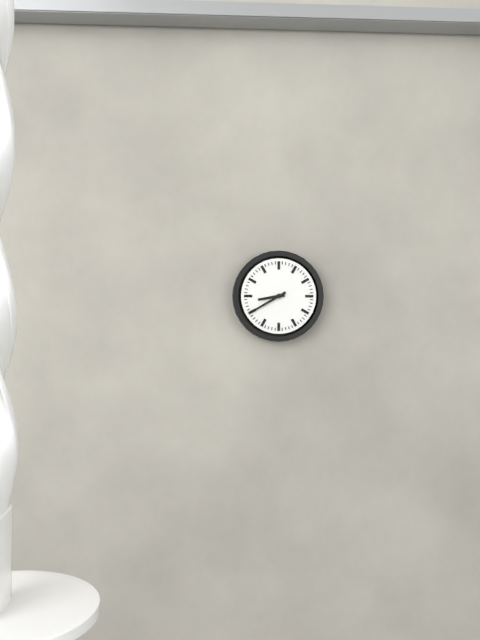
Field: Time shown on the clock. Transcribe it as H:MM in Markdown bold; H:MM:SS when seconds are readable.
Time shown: **8:40**
